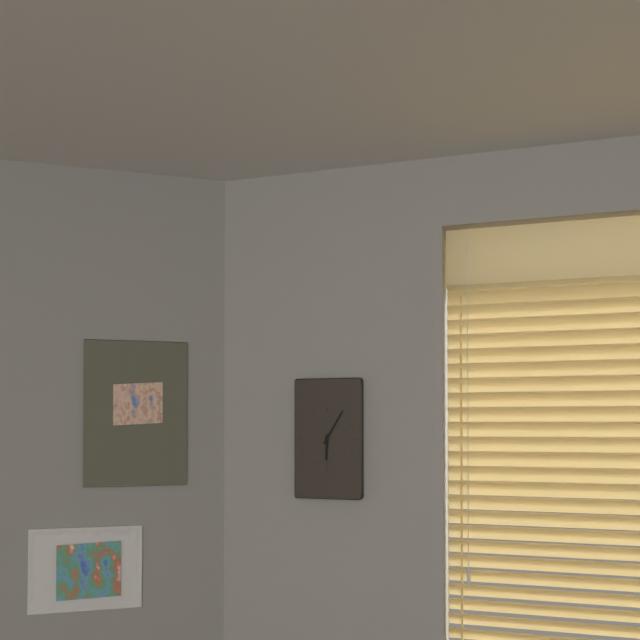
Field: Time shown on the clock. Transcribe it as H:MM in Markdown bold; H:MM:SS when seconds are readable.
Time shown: **6:05**
